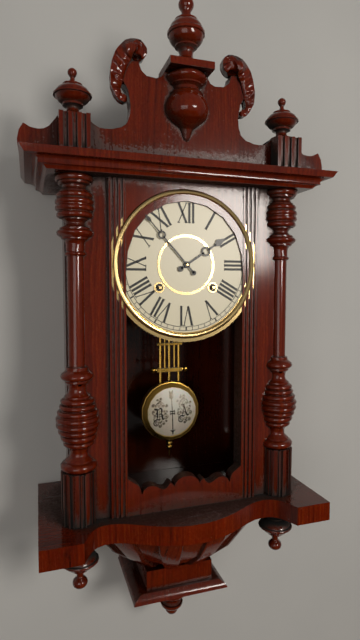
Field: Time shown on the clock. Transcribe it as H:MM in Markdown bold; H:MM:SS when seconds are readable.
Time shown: **1:53**
